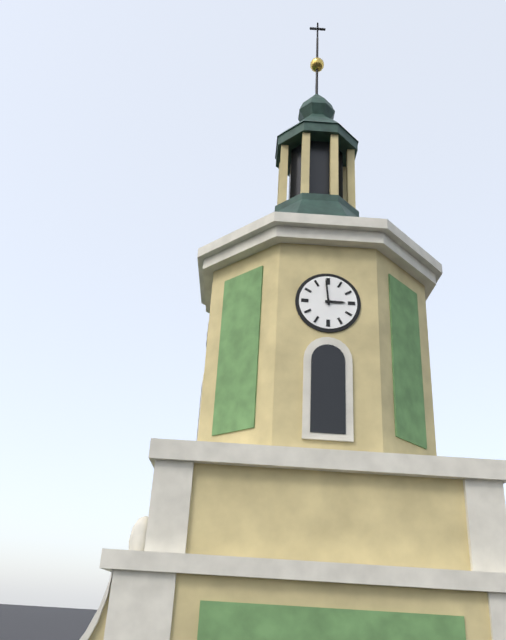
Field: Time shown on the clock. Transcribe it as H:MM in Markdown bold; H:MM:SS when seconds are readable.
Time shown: **2:59**
